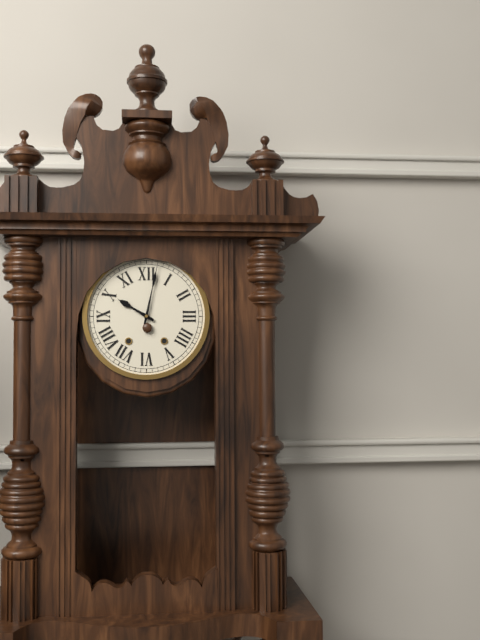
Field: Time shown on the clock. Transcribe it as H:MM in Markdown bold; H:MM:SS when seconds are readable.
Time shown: **10:02**
